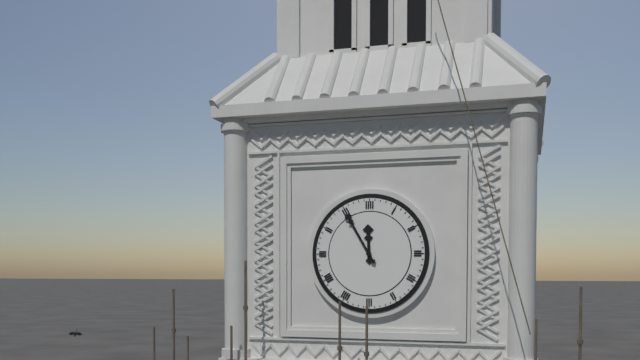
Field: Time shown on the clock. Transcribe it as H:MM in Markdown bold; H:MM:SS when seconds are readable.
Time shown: **11:55**
